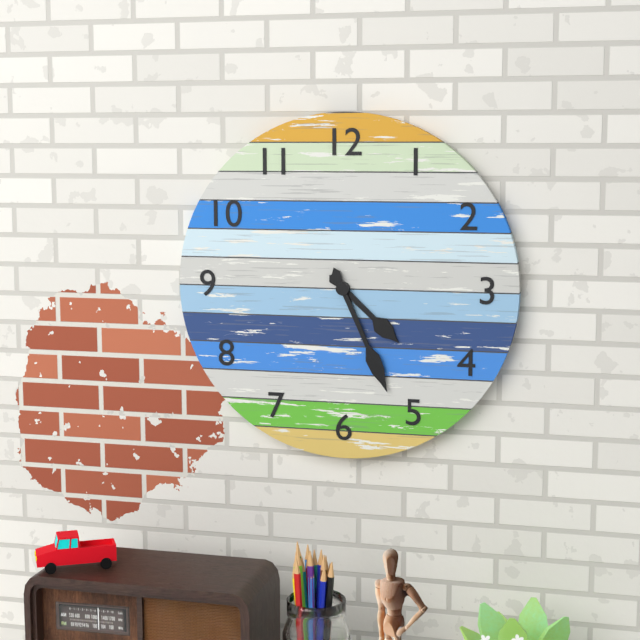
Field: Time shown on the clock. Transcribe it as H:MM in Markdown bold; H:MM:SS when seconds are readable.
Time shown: **4:26**
